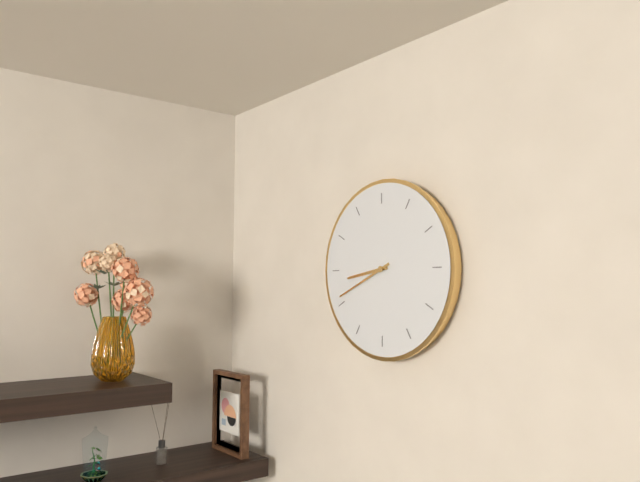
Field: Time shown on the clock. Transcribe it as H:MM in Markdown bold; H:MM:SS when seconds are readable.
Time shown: **8:41**
